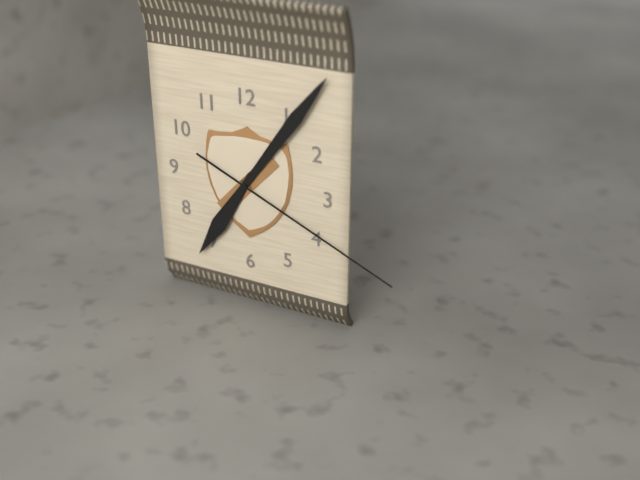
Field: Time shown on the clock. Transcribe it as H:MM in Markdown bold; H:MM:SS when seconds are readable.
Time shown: **7:06:19**
